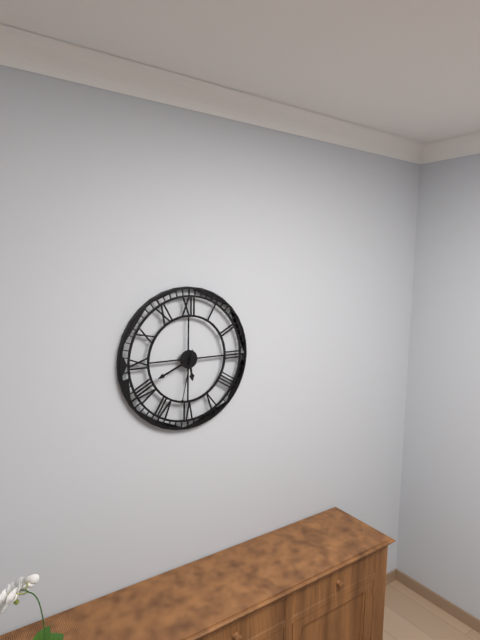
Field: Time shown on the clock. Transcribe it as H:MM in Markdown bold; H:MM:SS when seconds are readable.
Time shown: **5:41:32**
